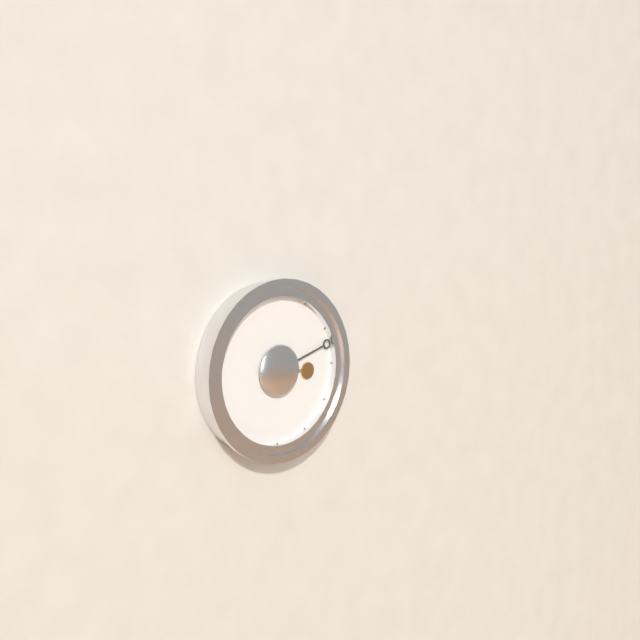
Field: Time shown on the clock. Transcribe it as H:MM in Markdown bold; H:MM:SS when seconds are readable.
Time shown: **3:12**
